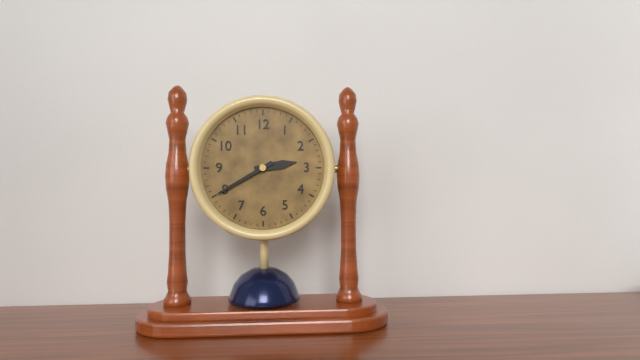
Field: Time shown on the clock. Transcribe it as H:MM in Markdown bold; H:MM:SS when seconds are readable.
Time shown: **2:40**
